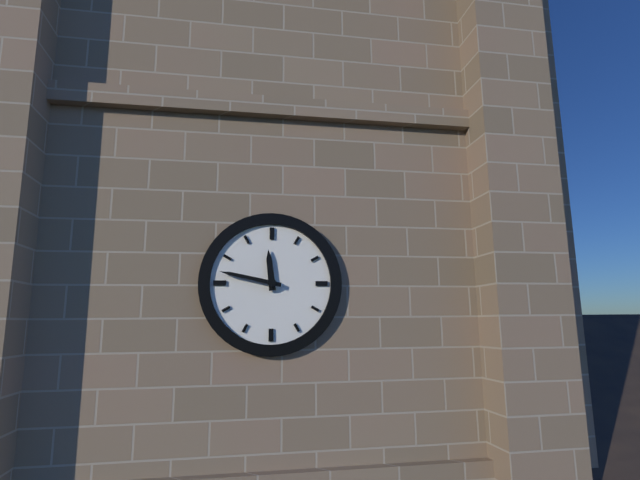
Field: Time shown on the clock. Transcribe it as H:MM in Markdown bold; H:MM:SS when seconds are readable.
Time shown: **11:47**
